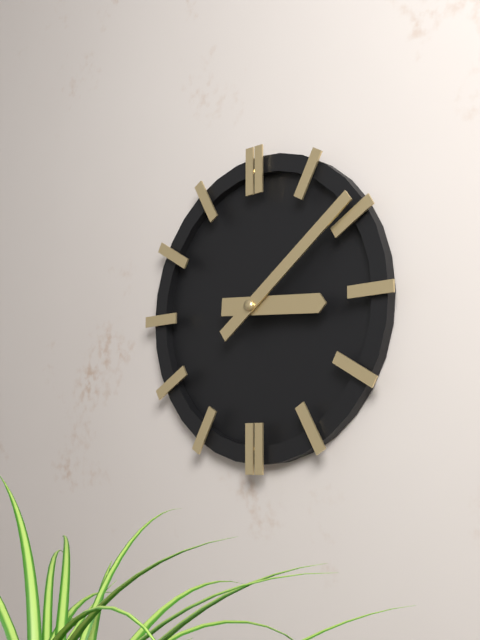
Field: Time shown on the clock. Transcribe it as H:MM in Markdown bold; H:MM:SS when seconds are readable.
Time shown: **3:09**
